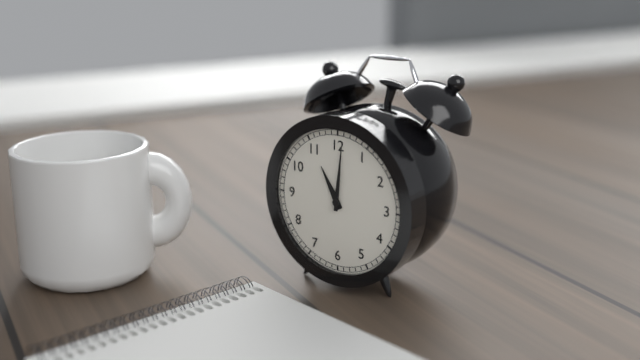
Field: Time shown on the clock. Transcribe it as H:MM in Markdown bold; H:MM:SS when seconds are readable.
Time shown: **11:01**
